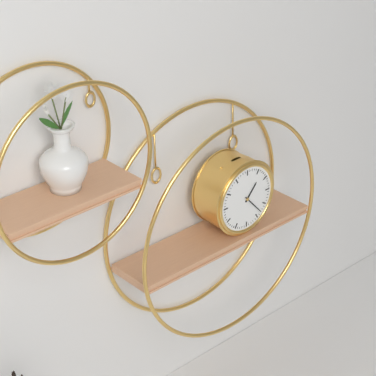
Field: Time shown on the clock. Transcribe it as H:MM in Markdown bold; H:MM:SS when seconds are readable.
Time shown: **1:23**
